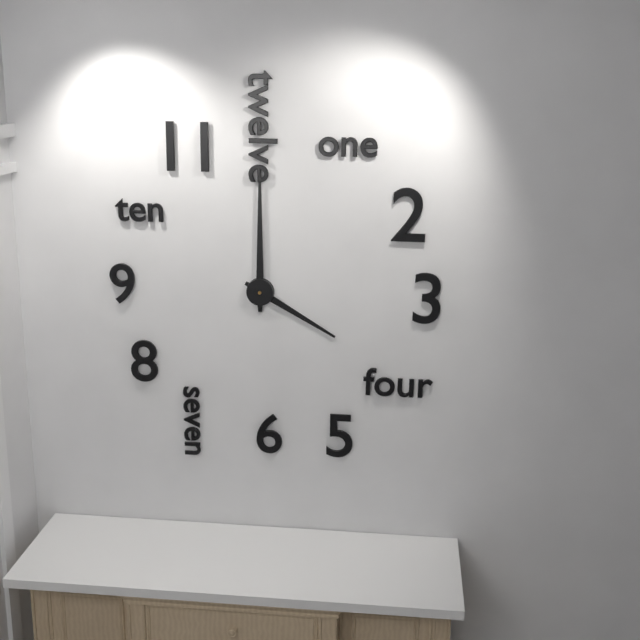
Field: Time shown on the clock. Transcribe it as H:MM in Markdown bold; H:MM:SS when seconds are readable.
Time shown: **4:00**
